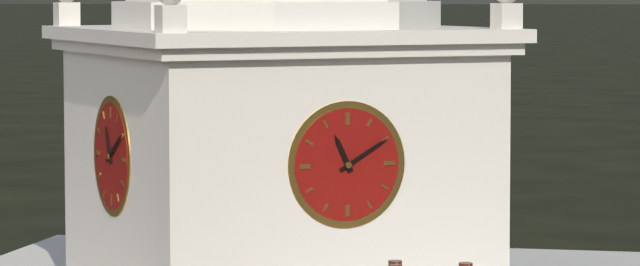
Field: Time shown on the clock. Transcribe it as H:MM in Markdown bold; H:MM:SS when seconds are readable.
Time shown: **11:10**
